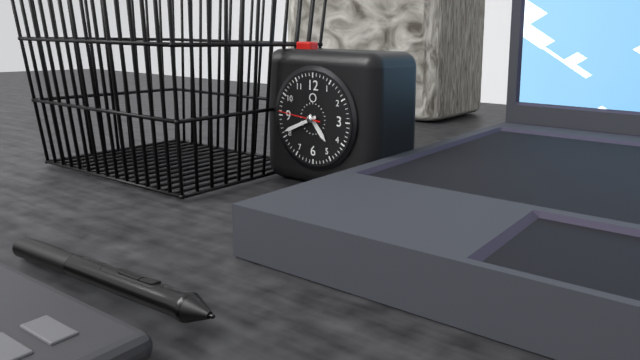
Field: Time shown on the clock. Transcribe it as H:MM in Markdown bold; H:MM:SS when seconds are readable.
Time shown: **4:41**
